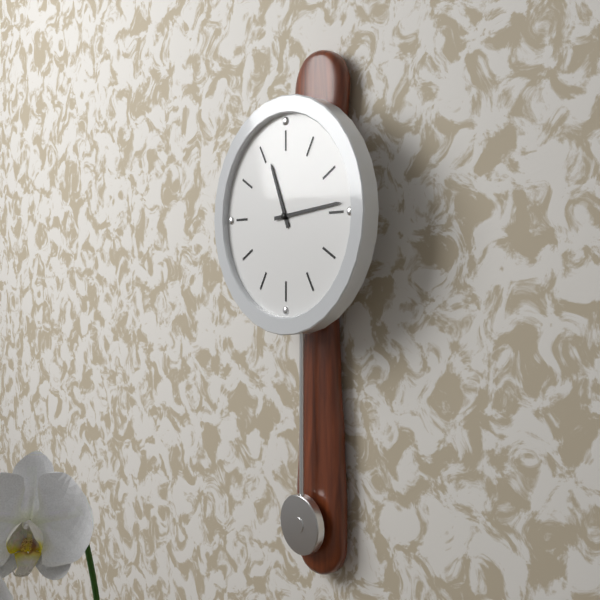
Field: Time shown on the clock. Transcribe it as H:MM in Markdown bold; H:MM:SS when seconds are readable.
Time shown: **11:14**
